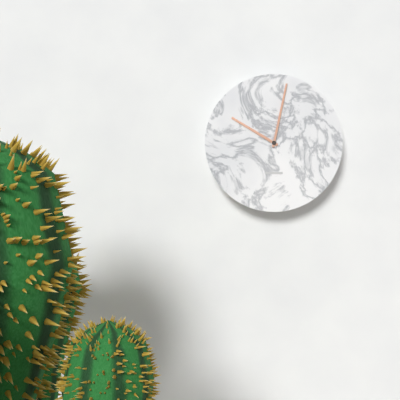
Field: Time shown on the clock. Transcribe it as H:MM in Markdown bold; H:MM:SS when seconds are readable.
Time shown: **10:02**
